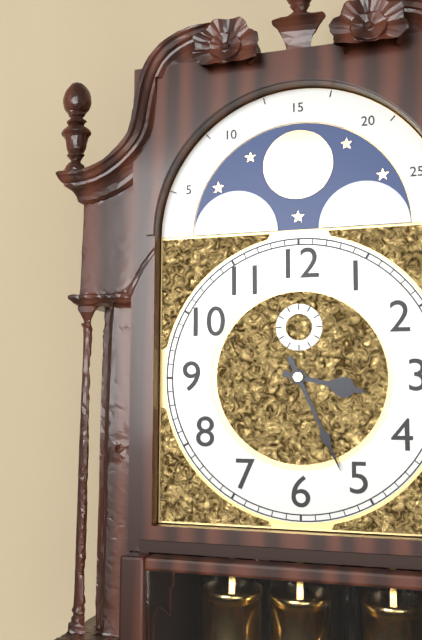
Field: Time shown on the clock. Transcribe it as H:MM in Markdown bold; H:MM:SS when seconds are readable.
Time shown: **3:26**
